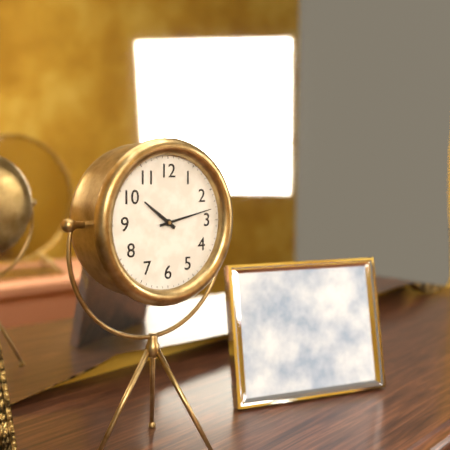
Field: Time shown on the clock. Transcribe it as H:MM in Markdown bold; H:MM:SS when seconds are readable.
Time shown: **10:13**
